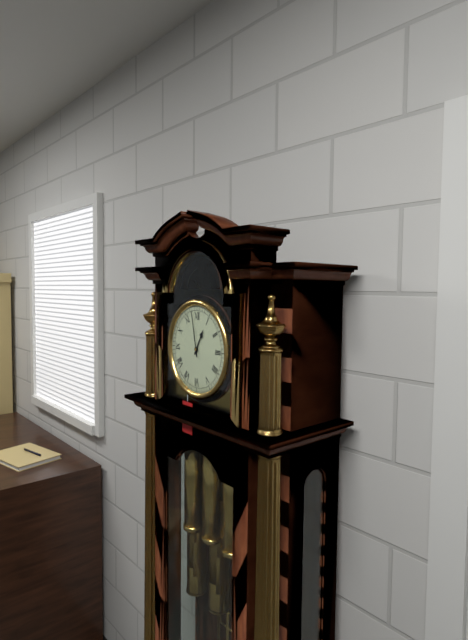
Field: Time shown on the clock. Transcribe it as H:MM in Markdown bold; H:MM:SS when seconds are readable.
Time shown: **12:58**
